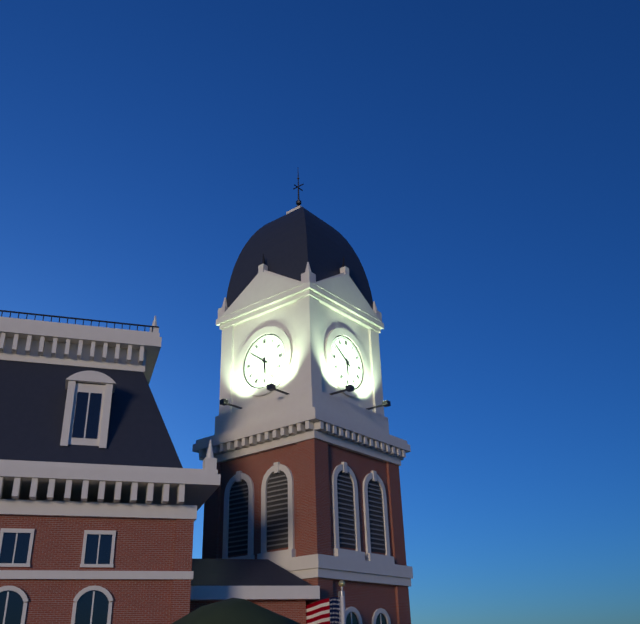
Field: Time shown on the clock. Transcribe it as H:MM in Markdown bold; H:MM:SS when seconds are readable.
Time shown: **5:51**
